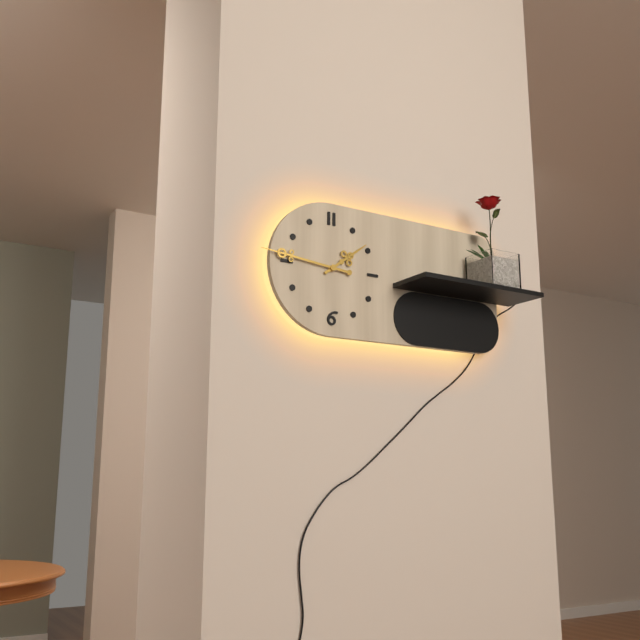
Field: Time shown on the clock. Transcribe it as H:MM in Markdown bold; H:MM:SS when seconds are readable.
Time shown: **1:46**
